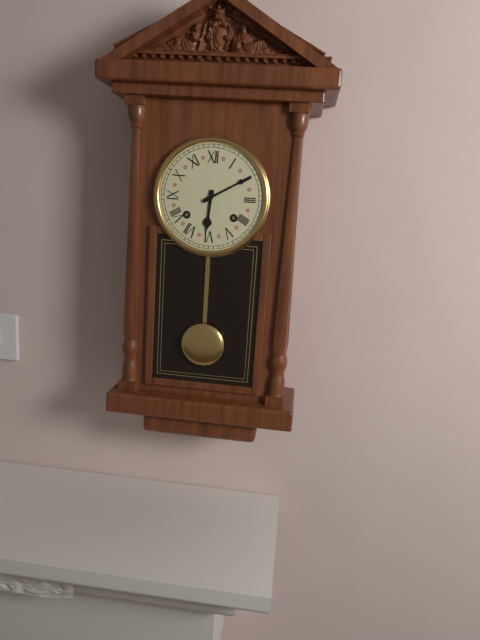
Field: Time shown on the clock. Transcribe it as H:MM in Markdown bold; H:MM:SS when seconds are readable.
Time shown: **6:10**
